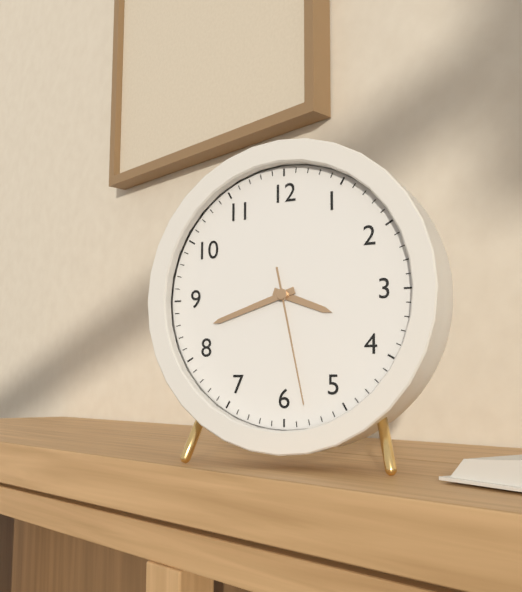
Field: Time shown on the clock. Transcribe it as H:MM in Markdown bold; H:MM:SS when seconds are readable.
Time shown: **3:42:28**
